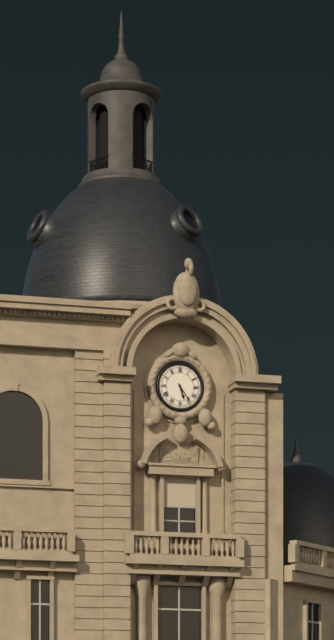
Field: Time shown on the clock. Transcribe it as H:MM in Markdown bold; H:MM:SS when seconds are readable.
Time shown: **5:24**
